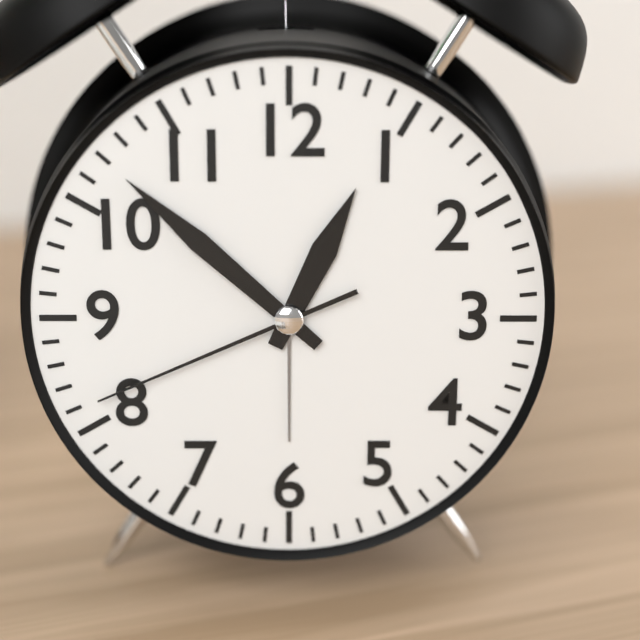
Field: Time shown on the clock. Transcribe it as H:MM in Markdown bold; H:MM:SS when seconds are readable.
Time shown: **12:52:41**
